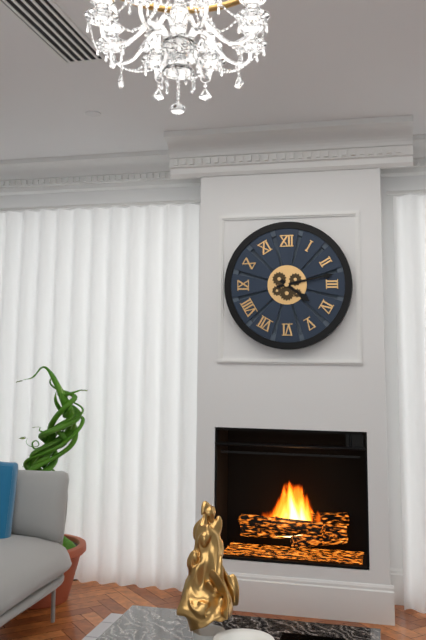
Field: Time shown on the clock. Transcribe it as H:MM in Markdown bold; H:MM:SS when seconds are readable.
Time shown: **4:13**
